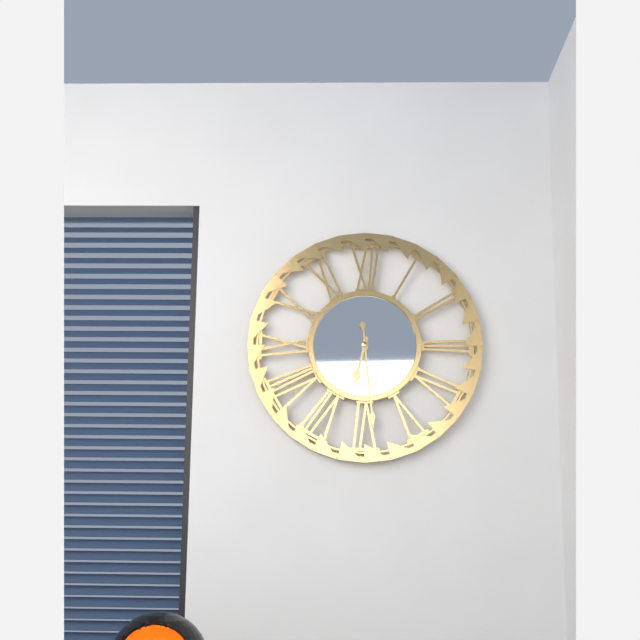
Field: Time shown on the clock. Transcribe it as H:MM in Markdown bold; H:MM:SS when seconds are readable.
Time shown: **6:29**
